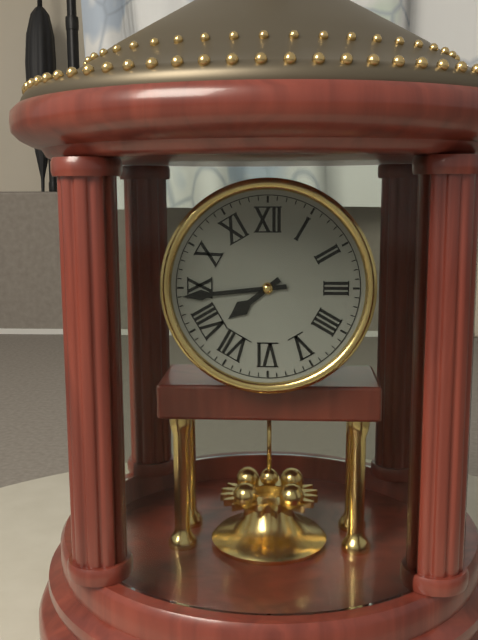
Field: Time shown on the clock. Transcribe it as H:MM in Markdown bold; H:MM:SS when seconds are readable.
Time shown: **7:44**
